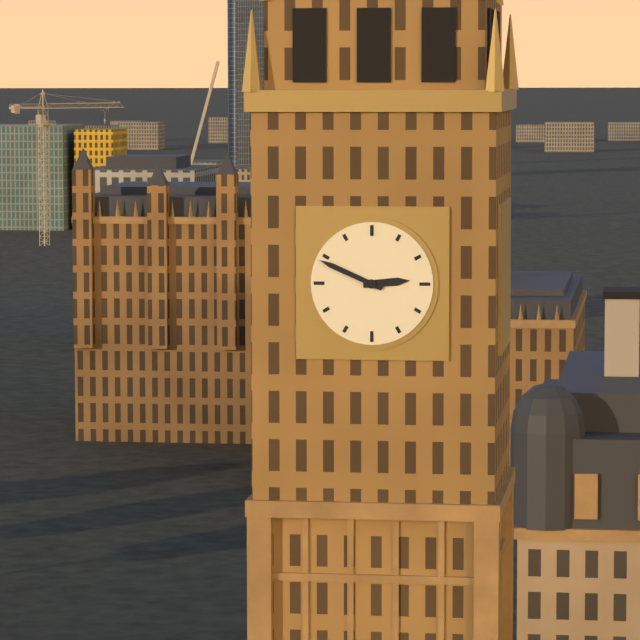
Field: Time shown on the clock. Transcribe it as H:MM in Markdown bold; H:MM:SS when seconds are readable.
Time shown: **2:49**
